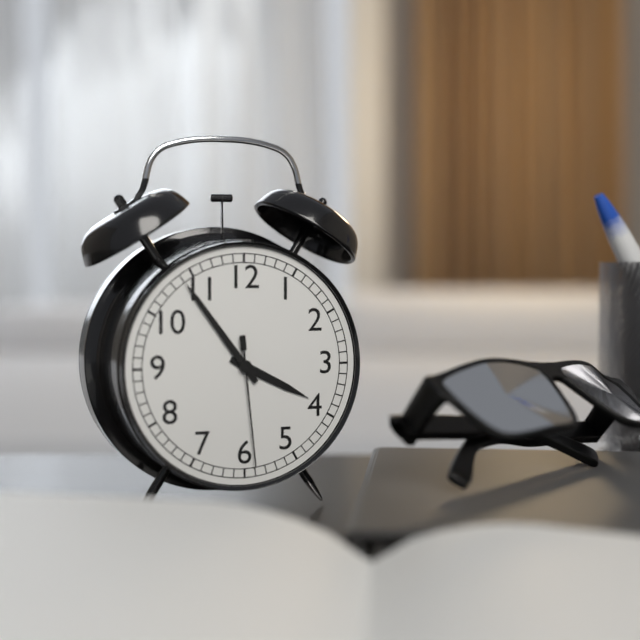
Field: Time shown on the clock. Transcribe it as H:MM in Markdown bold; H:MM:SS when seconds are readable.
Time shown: **3:54:29**
